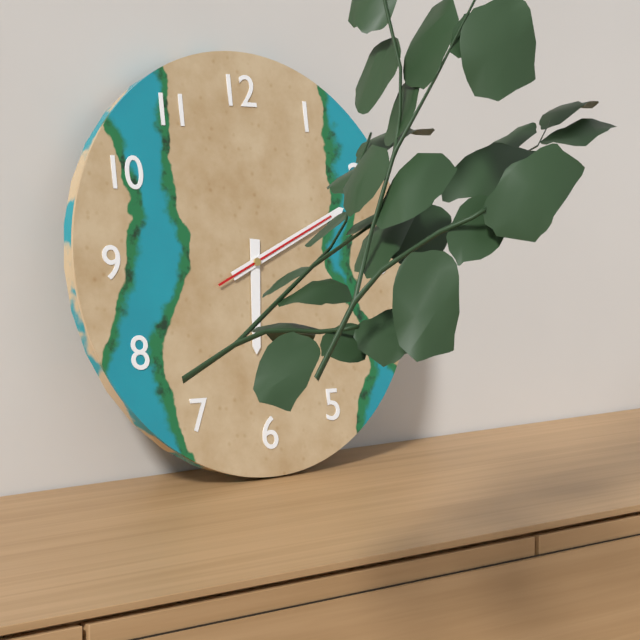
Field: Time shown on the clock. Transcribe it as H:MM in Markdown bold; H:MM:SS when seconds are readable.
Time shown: **6:11:11**
